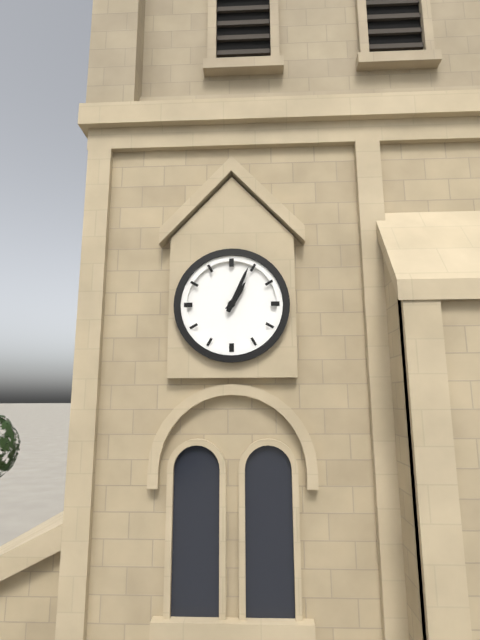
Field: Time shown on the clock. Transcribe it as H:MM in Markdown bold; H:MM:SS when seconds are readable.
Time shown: **1:04**
